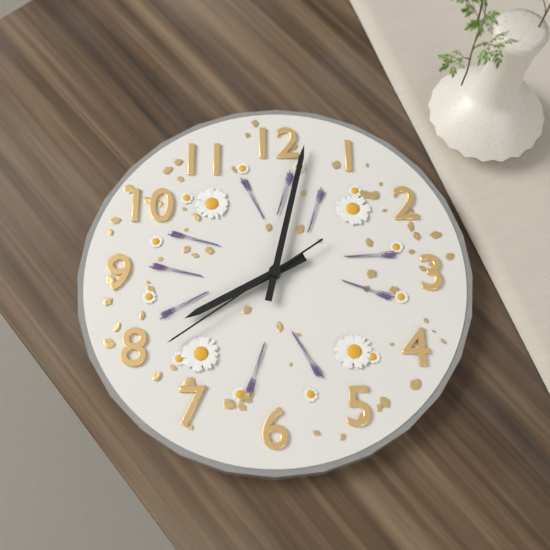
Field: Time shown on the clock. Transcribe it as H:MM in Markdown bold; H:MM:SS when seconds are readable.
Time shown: **8:02:39**
